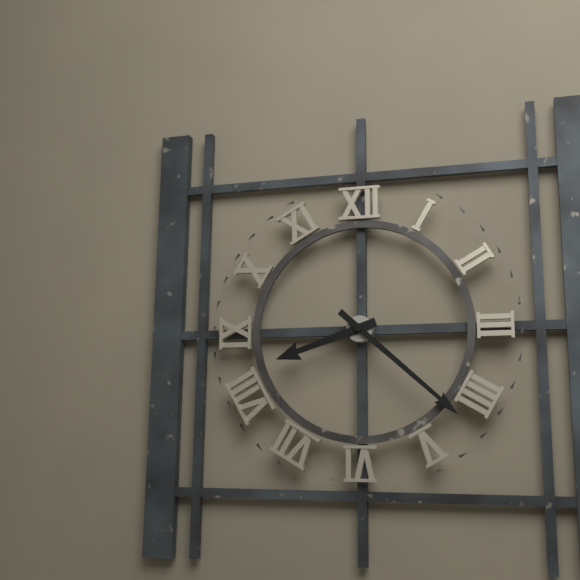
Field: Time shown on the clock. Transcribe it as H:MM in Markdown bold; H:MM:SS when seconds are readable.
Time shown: **8:22**
